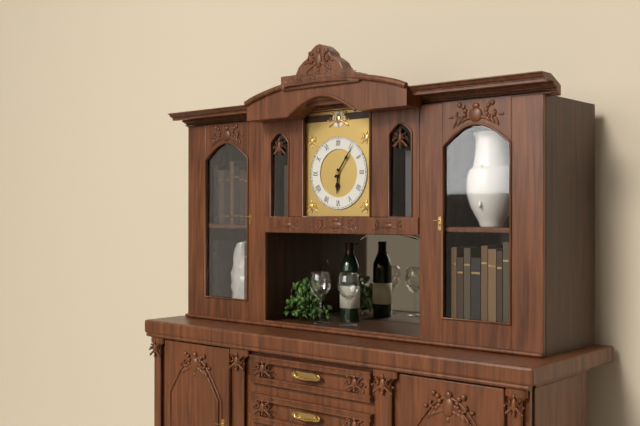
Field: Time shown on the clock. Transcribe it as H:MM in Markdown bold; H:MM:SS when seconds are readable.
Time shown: **6:06**
